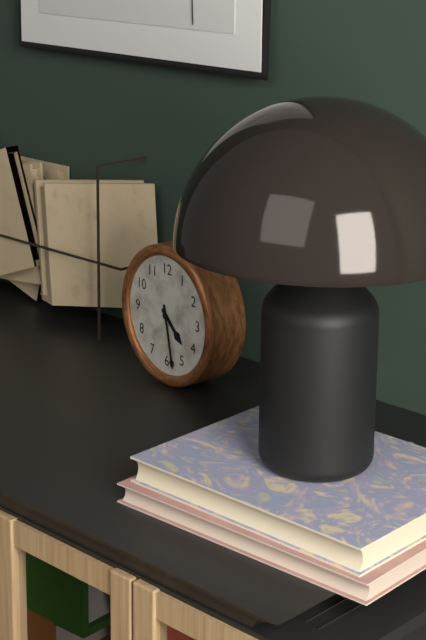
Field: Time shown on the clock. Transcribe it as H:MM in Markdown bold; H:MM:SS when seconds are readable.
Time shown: **4:28**
